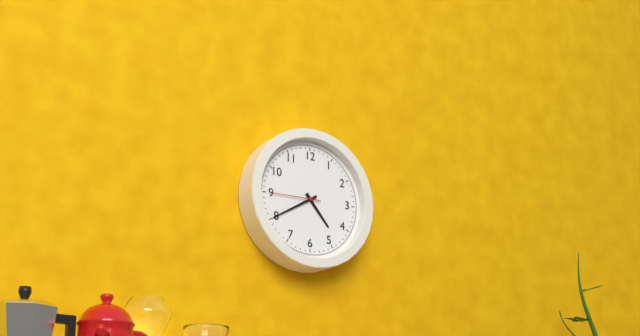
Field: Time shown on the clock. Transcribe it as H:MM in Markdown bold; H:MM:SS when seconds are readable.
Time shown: **4:40:45**
